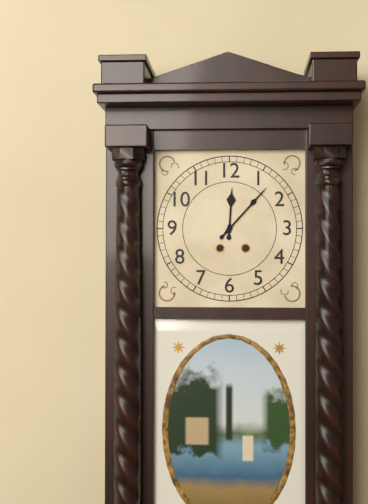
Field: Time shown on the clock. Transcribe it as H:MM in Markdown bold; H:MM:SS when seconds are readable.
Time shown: **12:07**
